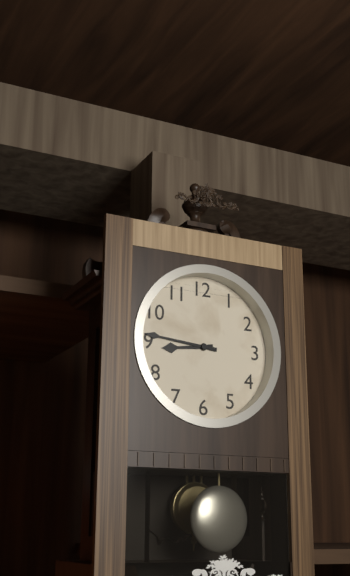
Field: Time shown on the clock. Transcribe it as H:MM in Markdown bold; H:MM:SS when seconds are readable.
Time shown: **8:46**
